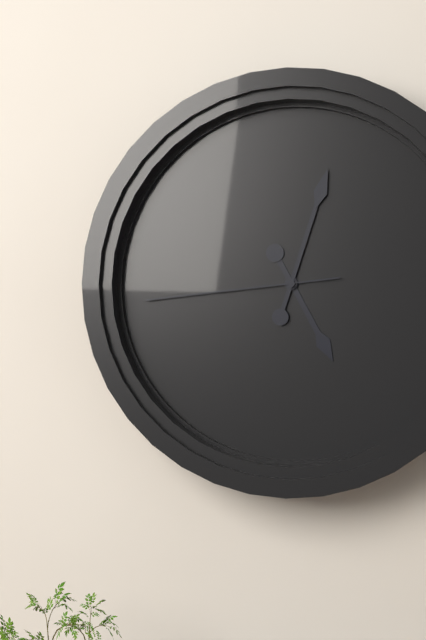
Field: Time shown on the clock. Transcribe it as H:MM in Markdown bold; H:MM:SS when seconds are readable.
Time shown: **5:03:44**
